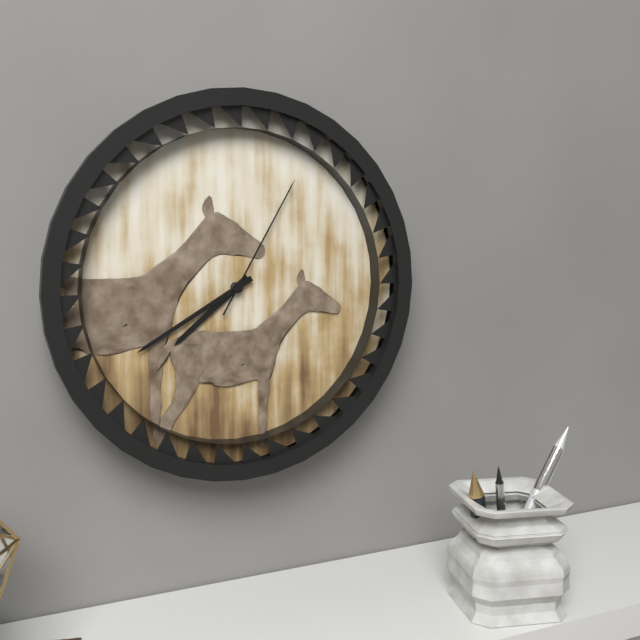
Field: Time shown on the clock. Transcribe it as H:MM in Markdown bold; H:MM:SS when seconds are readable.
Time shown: **7:40:05**
